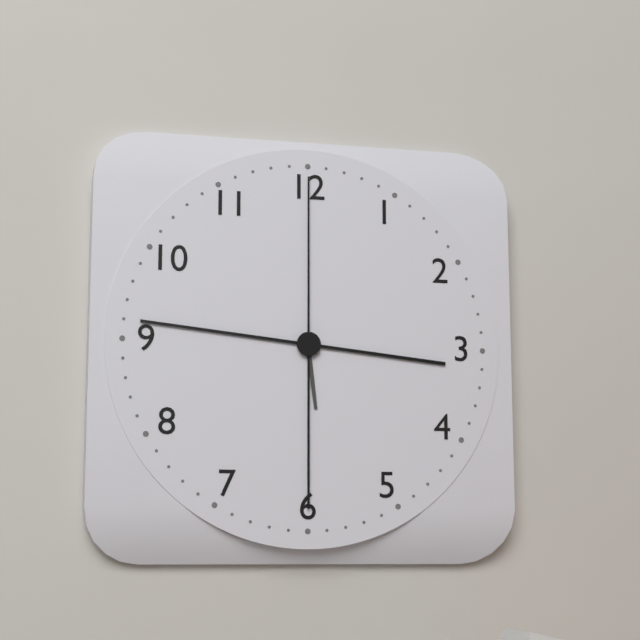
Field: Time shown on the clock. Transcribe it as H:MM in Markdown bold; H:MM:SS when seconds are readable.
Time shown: **5:46:00**
